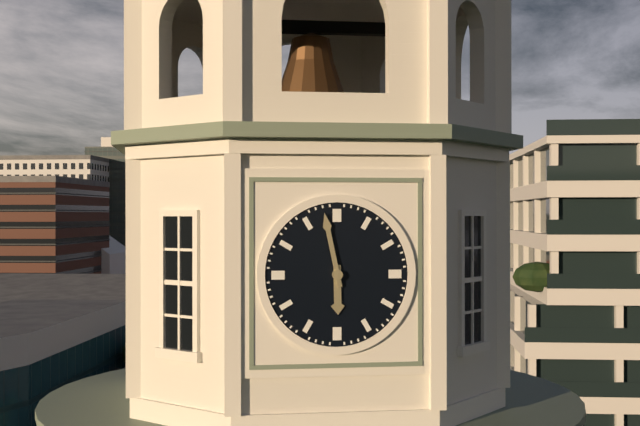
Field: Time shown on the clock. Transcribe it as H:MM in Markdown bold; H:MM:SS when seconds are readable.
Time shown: **5:58**
